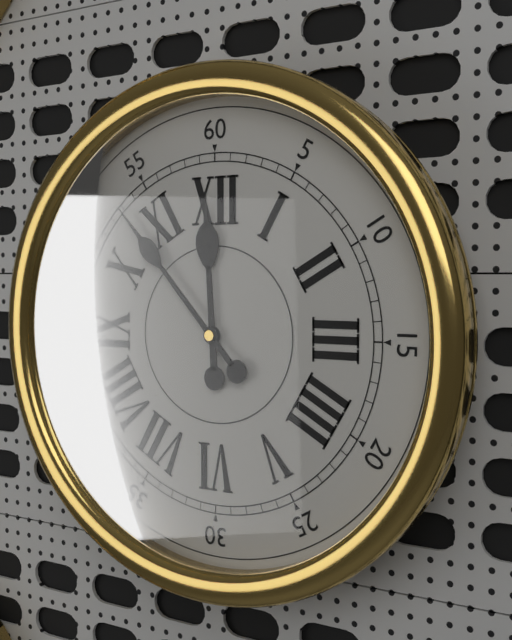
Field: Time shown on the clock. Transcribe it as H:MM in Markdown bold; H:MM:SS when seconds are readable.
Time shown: **11:53**
